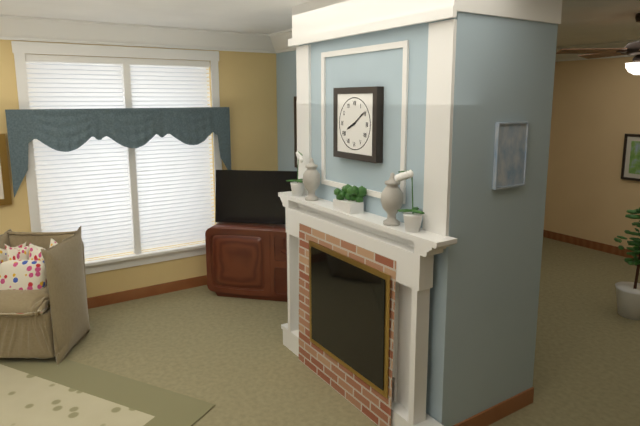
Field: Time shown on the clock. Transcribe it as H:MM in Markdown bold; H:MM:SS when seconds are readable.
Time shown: **8:09**
